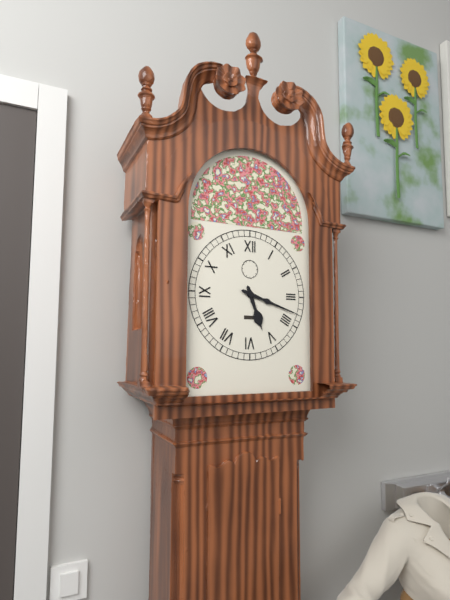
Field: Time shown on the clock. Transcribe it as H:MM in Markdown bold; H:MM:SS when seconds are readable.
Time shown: **5:18**
